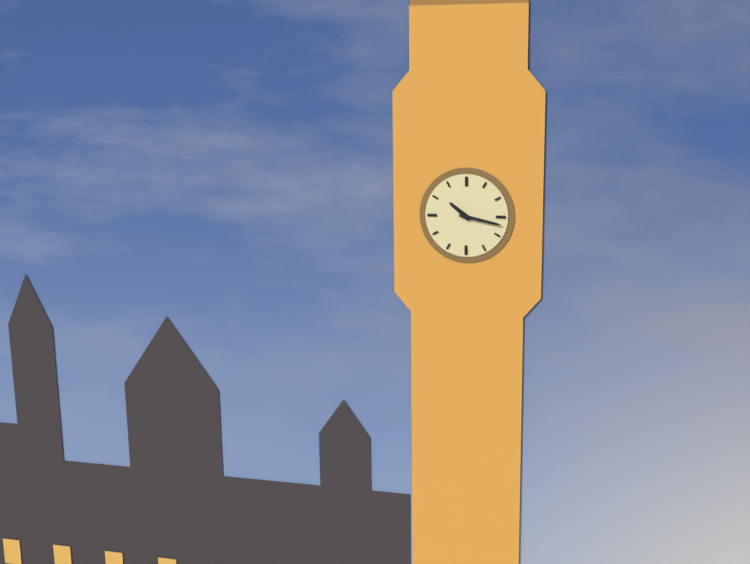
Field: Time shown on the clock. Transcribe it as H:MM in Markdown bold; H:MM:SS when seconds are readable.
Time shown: **10:17**
